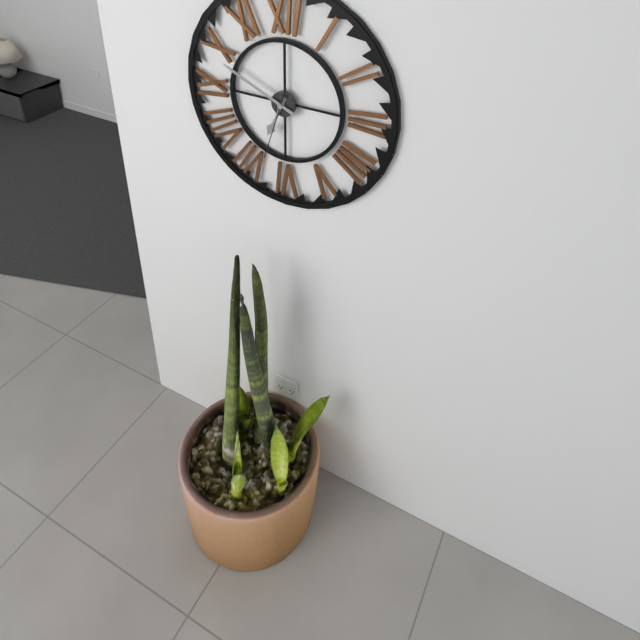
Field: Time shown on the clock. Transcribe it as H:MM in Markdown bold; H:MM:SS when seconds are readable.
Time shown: **6:49:33**
